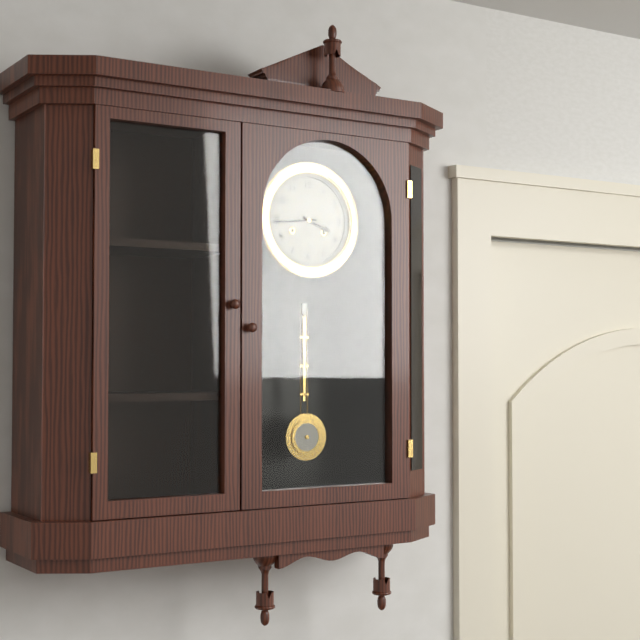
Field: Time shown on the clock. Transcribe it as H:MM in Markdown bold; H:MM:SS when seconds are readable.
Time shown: **3:44**
